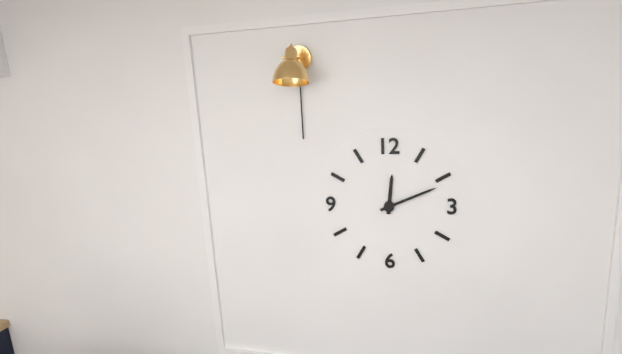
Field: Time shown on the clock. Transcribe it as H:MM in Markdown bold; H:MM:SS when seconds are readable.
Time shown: **12:11**
